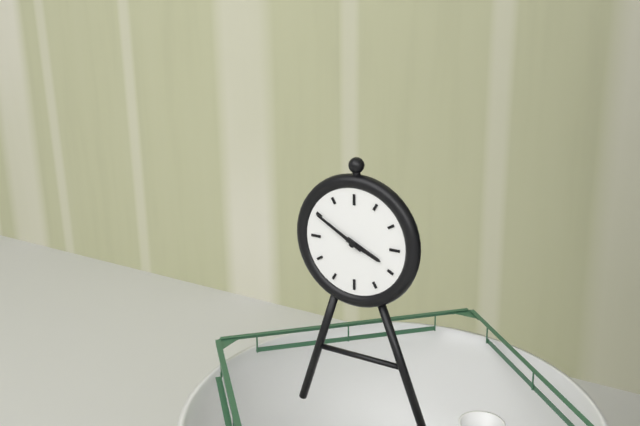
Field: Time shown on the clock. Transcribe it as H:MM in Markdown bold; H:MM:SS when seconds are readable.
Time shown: **3:50**
